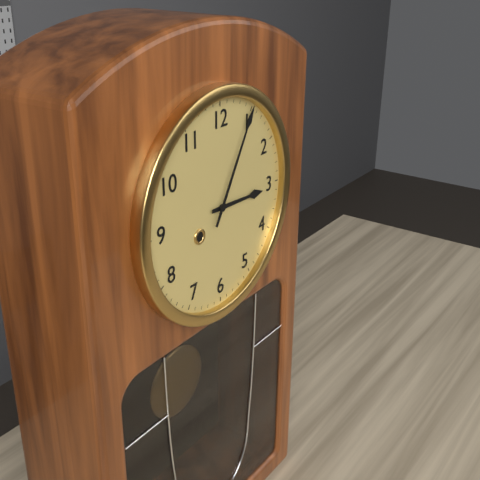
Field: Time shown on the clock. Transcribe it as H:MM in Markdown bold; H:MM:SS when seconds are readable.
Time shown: **3:05**
